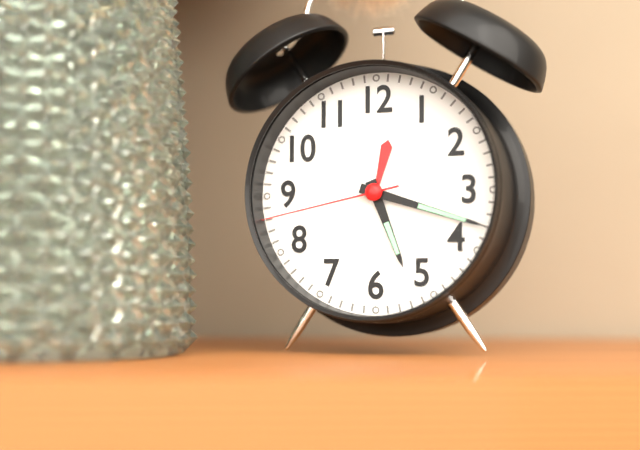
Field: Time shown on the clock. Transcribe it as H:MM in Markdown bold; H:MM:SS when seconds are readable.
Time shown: **5:18:43**
